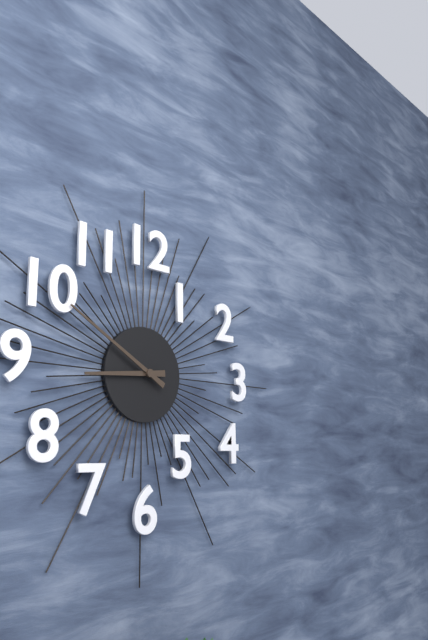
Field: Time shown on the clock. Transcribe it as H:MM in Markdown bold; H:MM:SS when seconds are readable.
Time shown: **8:50**
